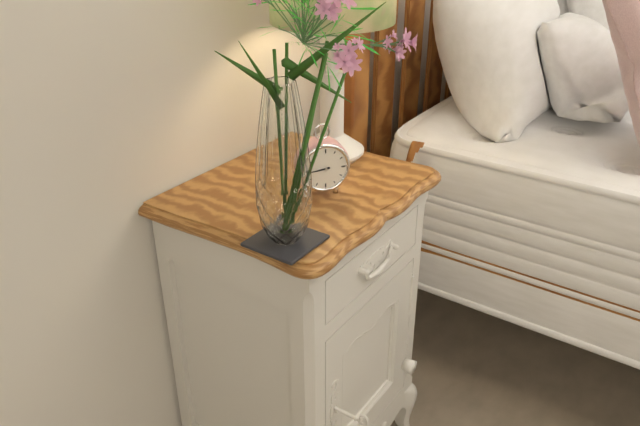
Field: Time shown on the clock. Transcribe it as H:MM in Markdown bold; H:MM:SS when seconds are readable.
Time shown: **8:44**
